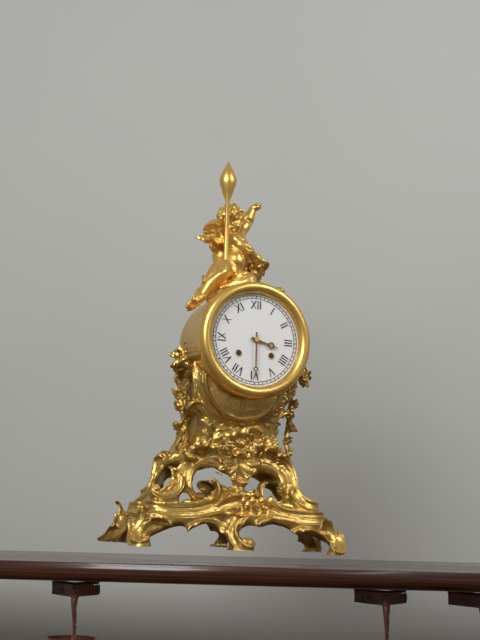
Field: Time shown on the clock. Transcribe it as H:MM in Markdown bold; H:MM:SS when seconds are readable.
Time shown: **3:30**
